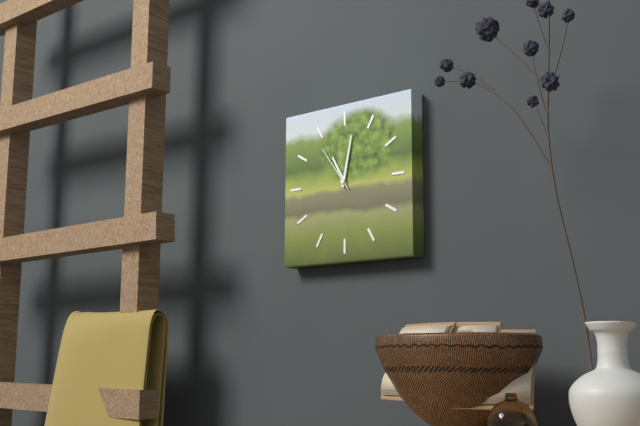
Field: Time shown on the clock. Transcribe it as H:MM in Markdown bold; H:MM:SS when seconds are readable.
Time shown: **11:02**
